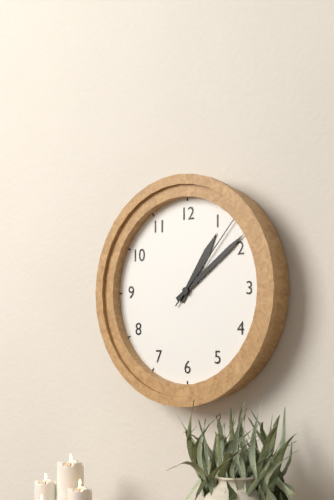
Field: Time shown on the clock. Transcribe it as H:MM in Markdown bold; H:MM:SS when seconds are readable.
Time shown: **1:09:07**
